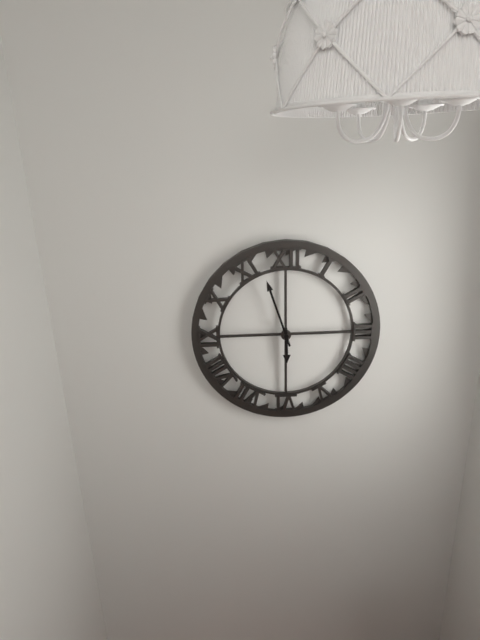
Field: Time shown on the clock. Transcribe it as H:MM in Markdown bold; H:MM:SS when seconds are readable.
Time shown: **5:57**
